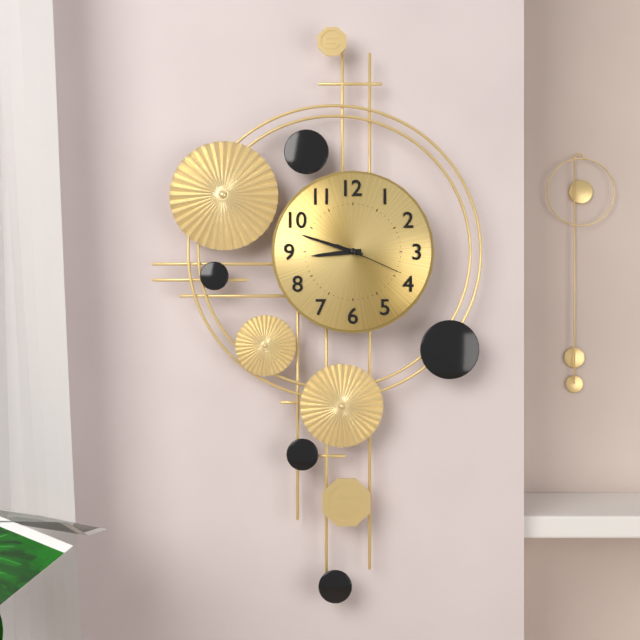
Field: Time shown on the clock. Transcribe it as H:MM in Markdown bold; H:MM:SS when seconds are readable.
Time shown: **8:48:19**
